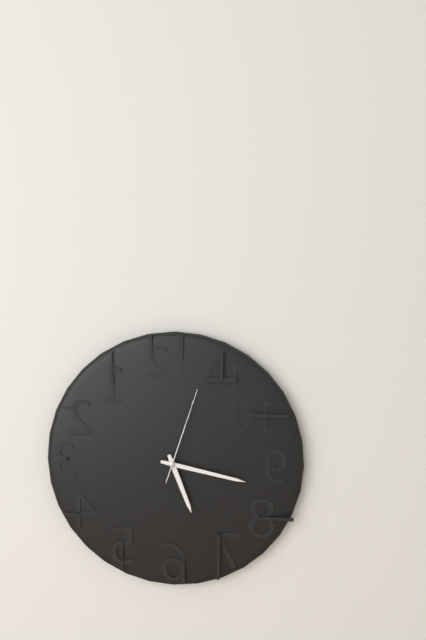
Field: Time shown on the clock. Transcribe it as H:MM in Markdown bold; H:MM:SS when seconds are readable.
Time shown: **5:17:03**
